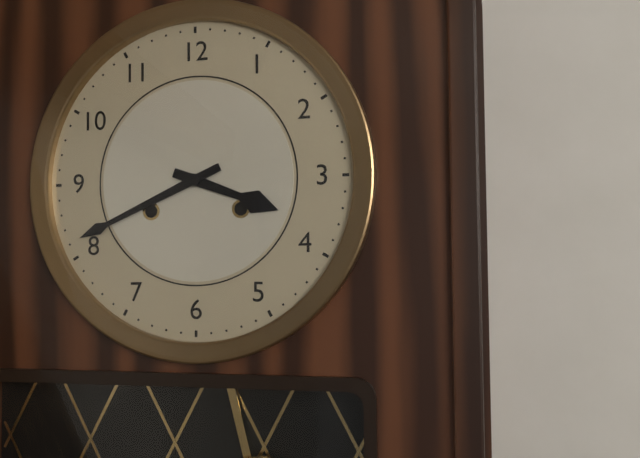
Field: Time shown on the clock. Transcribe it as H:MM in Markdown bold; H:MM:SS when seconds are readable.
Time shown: **3:41**
